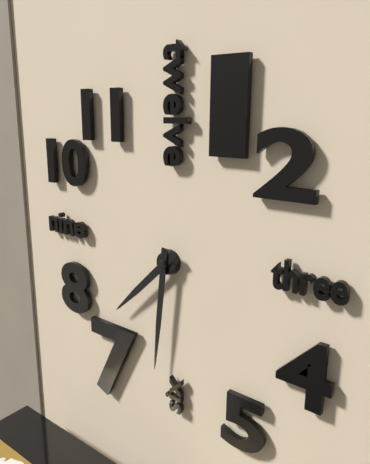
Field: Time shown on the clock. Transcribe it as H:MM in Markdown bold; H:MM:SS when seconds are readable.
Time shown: **7:31**
